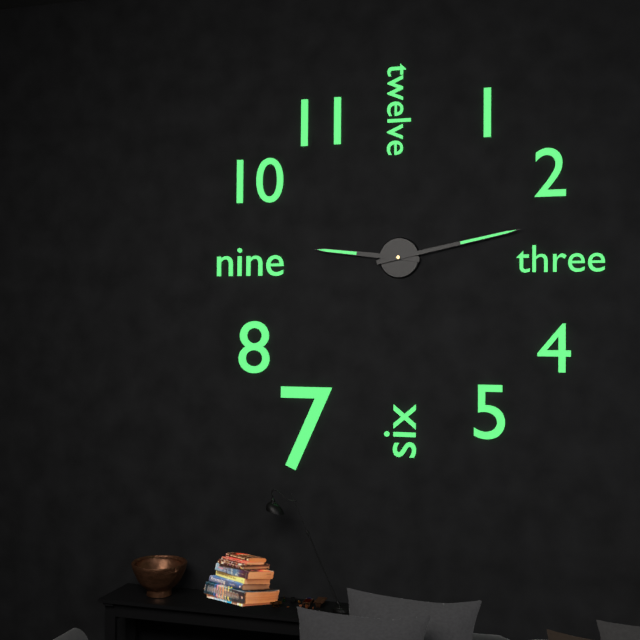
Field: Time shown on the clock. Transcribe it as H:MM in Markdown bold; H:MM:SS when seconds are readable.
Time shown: **9:13**
